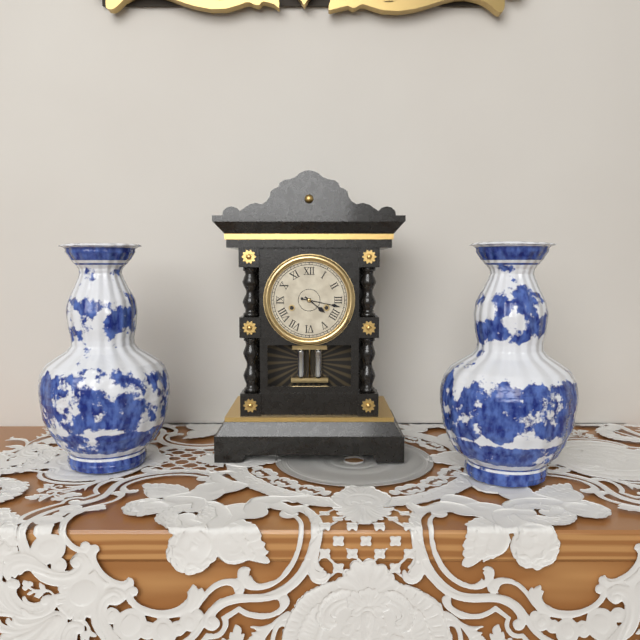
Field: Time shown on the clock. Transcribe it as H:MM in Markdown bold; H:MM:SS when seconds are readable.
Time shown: **4:17**
